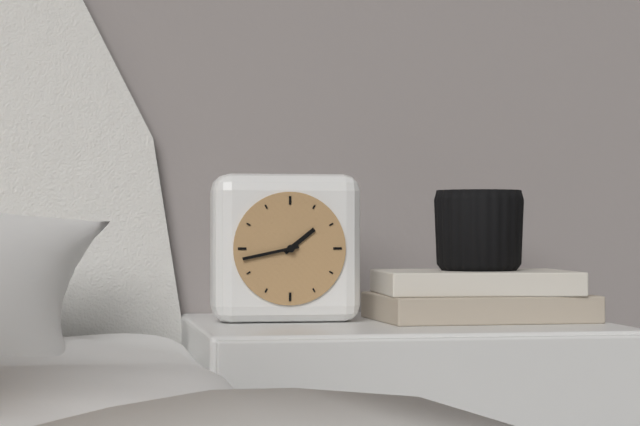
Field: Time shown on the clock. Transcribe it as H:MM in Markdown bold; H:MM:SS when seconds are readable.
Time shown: **1:43**
